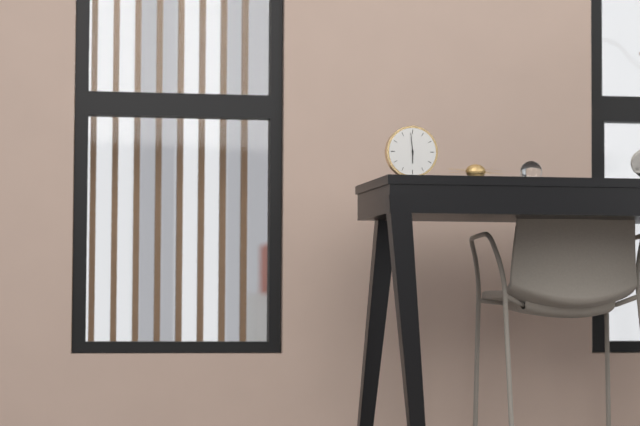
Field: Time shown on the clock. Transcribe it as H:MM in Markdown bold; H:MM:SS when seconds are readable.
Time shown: **5:59**
